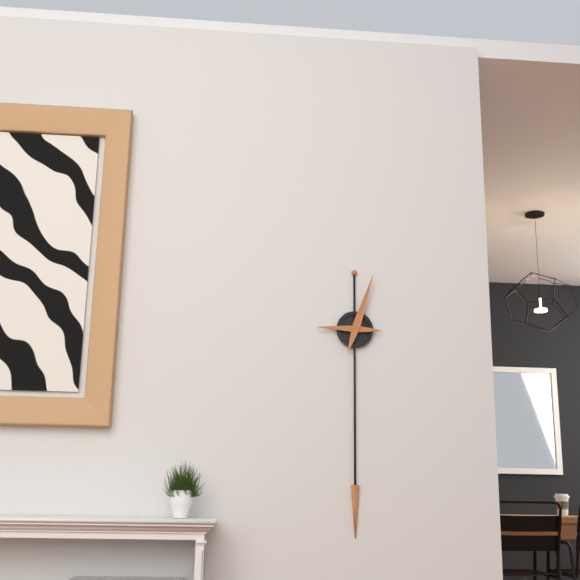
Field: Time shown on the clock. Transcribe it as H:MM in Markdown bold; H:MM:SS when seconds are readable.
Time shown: **9:03**
